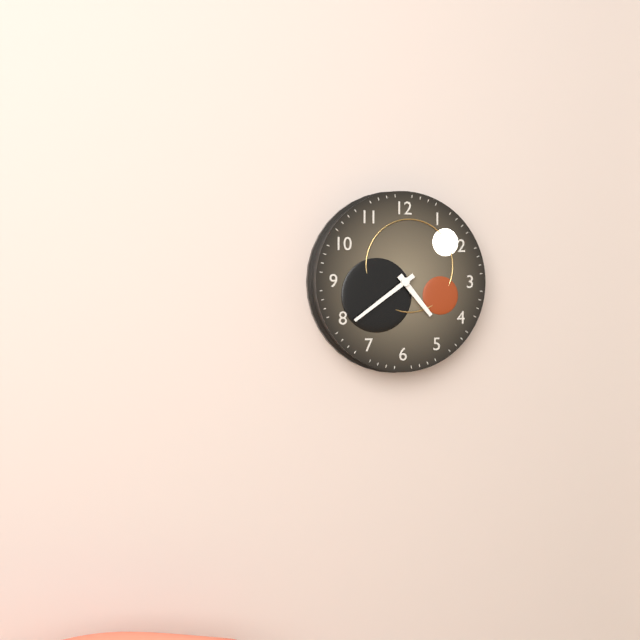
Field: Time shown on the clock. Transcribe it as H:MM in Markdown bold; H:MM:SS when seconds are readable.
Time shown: **4:39**
